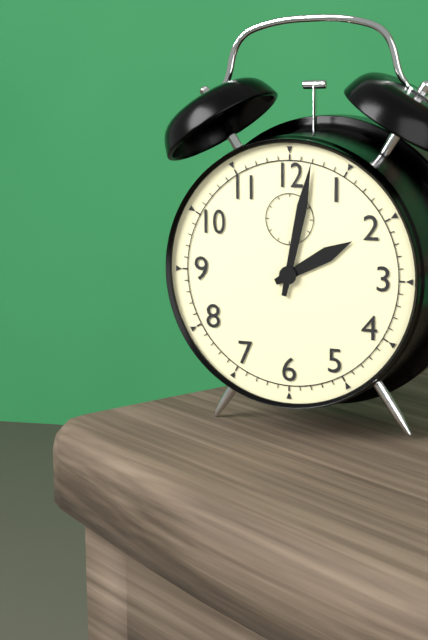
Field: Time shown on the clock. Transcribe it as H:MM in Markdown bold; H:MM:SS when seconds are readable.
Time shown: **2:02**
